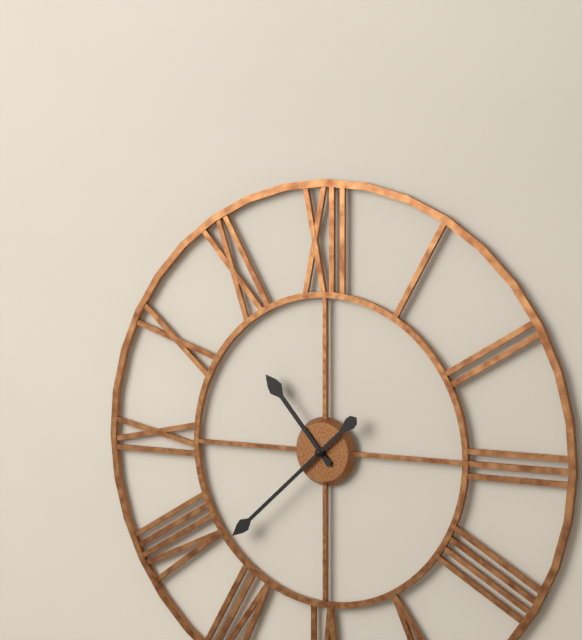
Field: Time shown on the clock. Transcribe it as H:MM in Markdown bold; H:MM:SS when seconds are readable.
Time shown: **10:38**
